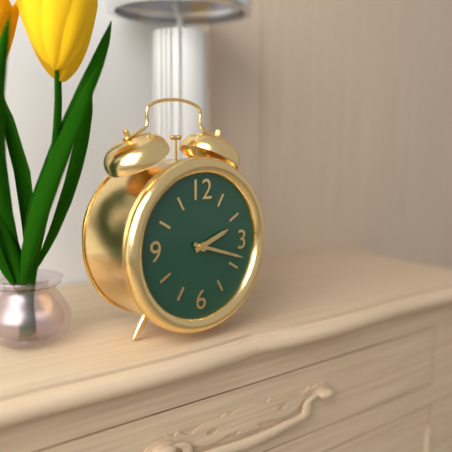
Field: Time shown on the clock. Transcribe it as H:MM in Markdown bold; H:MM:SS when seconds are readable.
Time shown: **2:18**
